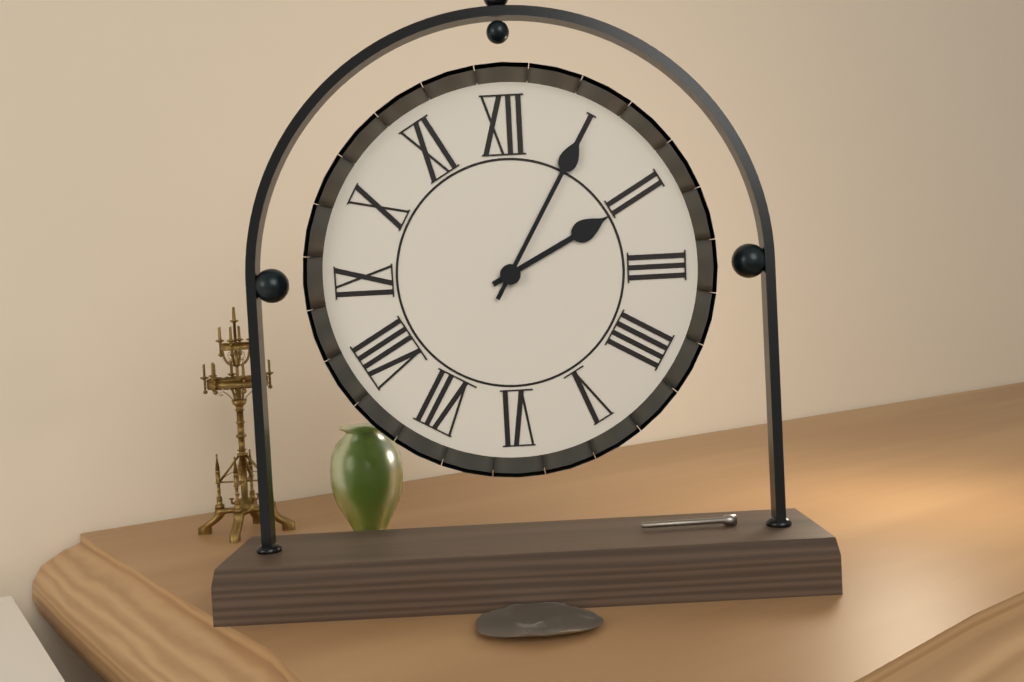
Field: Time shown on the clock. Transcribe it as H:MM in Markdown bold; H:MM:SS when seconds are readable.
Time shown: **2:05**
